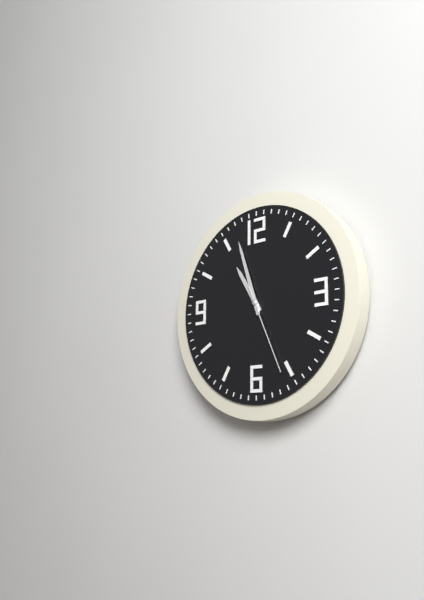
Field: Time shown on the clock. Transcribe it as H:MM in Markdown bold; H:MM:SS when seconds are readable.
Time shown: **10:57:26**
